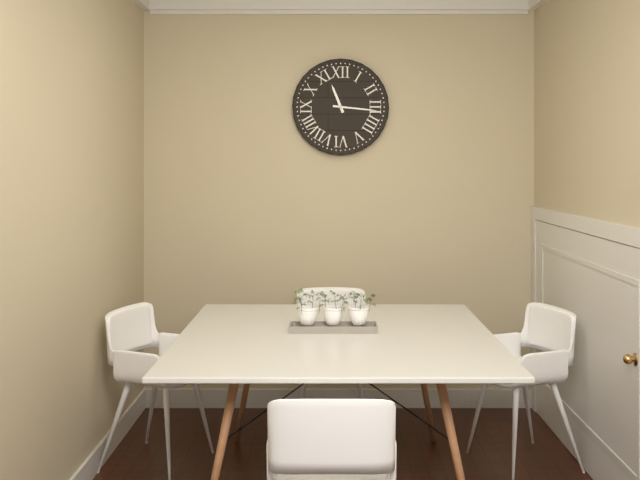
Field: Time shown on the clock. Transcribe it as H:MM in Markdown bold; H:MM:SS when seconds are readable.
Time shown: **11:16**
